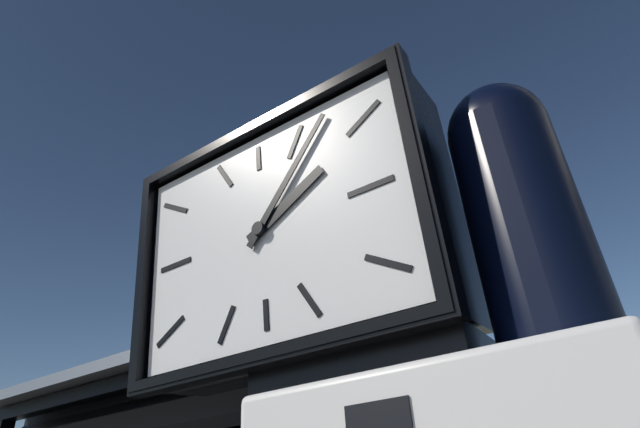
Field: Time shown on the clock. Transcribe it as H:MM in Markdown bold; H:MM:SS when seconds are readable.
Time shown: **2:07**
